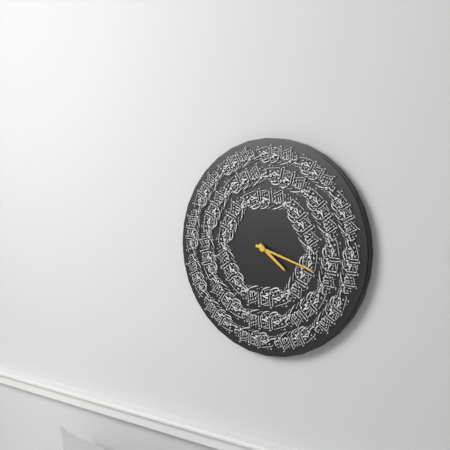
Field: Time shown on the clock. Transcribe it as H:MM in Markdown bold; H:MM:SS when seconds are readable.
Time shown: **4:18**
